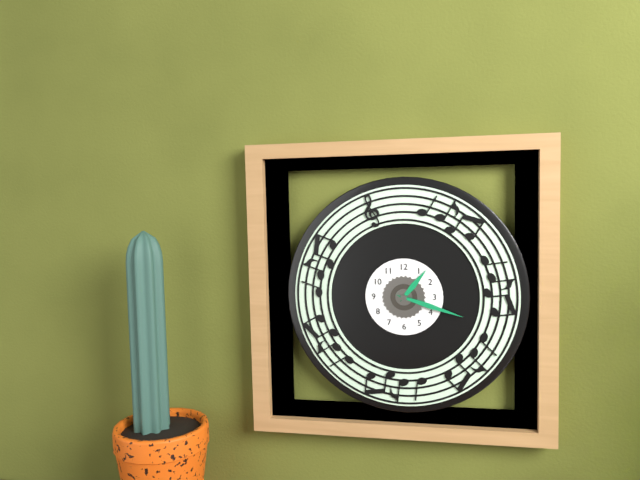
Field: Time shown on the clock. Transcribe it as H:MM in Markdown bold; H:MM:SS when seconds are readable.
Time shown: **1:18**
